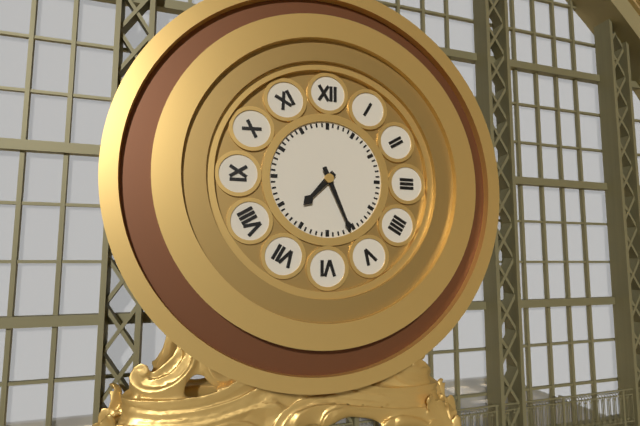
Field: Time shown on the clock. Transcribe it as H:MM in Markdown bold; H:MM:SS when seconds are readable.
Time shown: **7:26**
